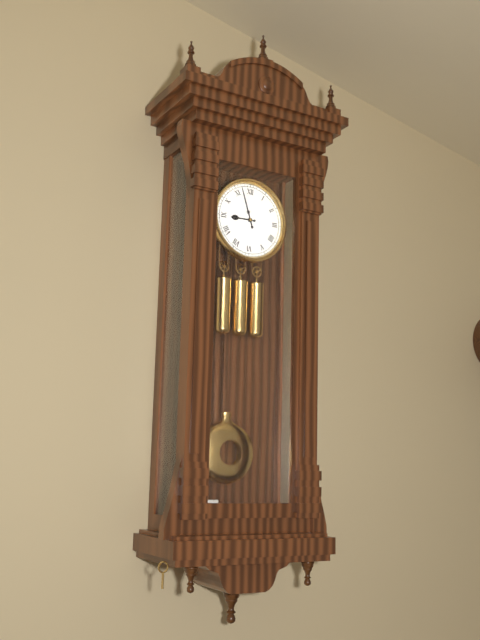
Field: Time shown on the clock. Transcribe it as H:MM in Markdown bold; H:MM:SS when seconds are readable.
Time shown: **8:57**
